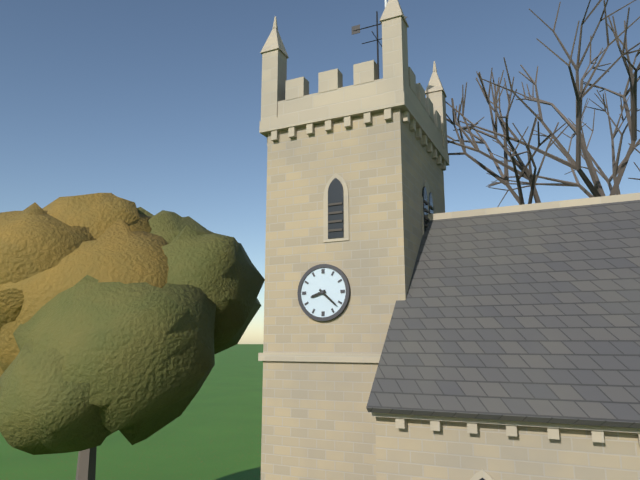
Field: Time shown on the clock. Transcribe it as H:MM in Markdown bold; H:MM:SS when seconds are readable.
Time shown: **8:22**
